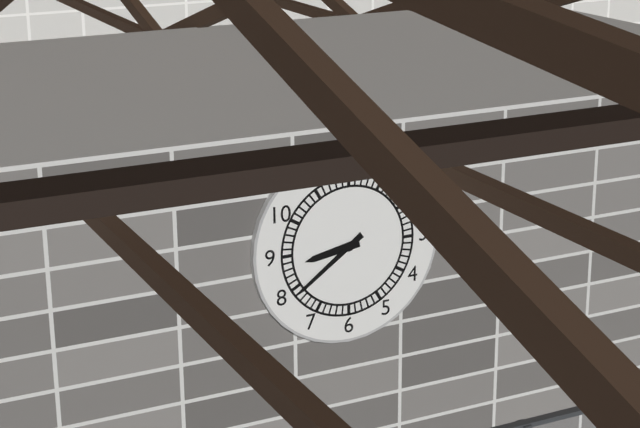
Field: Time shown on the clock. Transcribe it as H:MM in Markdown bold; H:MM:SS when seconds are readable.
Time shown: **8:39**
